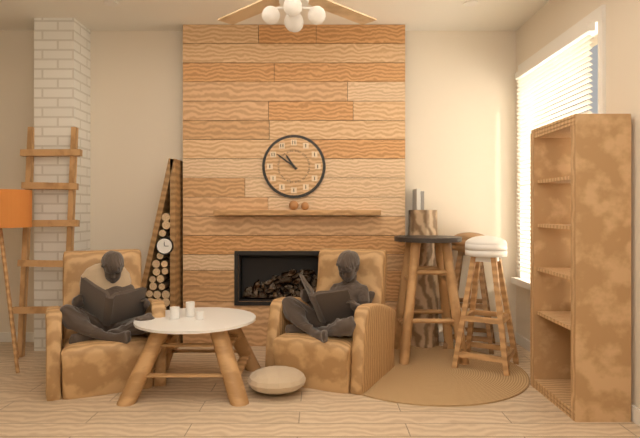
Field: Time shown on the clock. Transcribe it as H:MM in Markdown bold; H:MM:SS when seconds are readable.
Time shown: **10:51**
